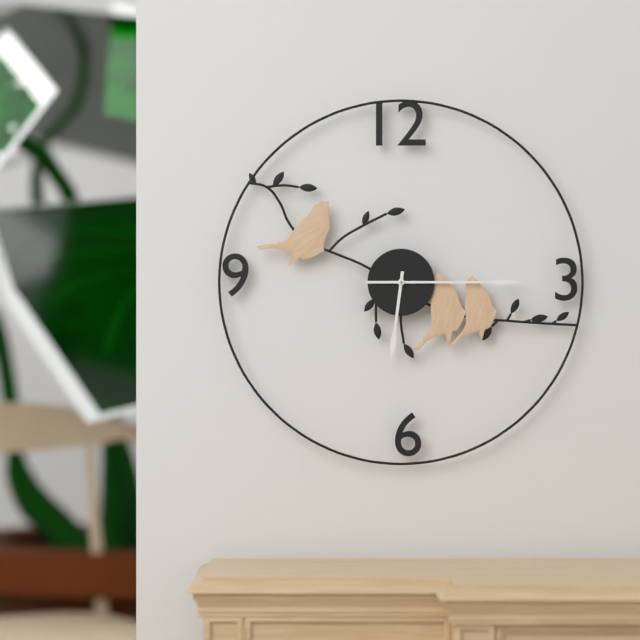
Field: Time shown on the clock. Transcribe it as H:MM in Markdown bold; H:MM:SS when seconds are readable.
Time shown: **6:15**
